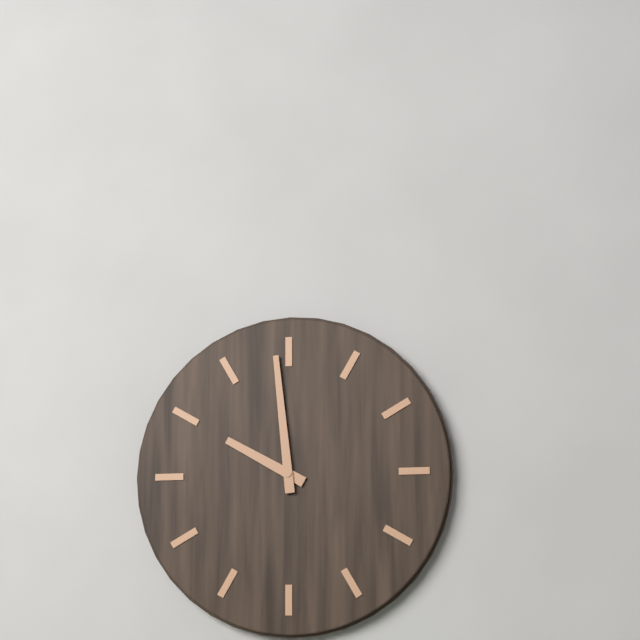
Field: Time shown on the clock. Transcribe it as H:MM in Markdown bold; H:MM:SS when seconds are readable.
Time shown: **9:59**
